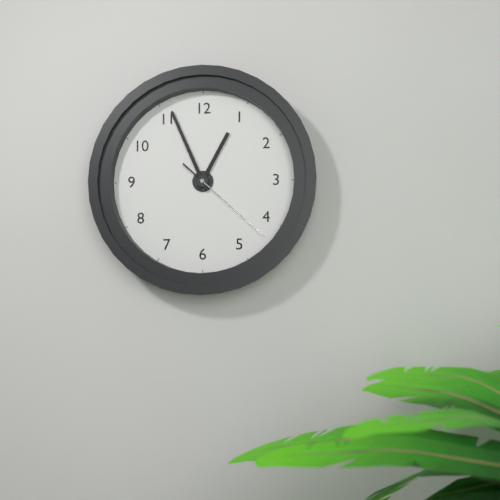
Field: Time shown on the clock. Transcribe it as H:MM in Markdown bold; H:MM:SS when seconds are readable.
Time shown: **12:56:22**
